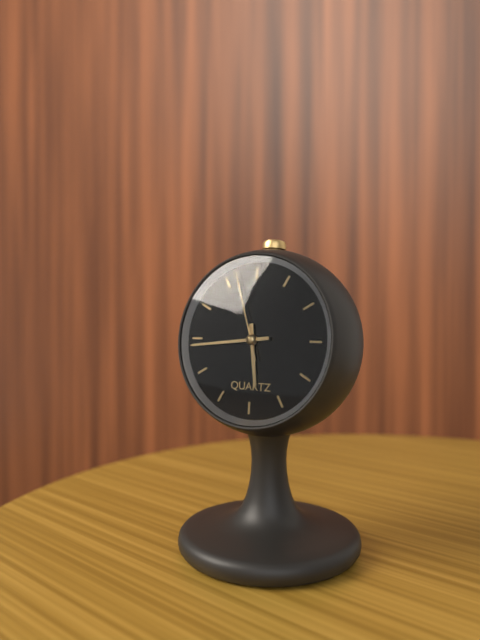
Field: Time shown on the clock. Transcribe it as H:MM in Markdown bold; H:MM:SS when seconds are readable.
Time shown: **5:44:57**
